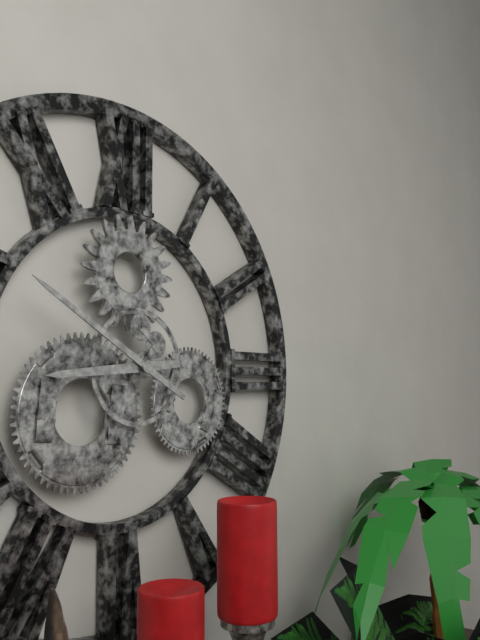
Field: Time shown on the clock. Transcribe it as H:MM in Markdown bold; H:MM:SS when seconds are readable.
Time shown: **8:50**
